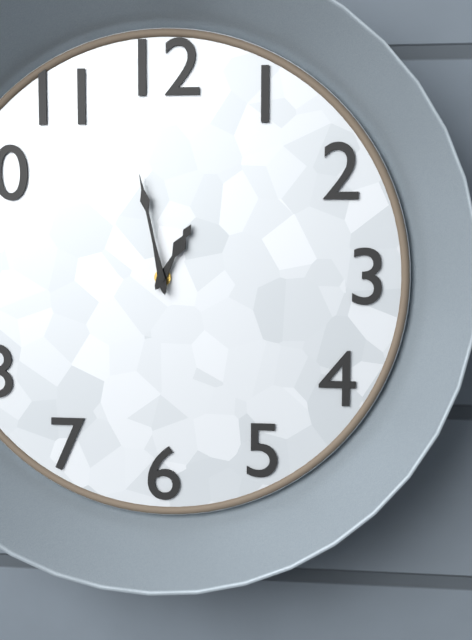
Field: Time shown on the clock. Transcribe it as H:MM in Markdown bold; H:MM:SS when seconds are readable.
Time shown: **12:58**
